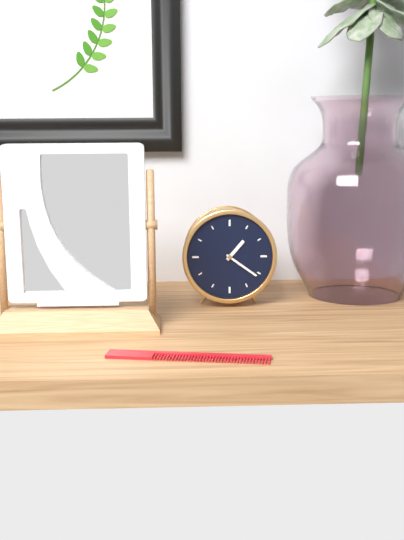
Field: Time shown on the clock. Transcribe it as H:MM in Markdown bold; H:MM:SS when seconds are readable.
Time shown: **1:21**
